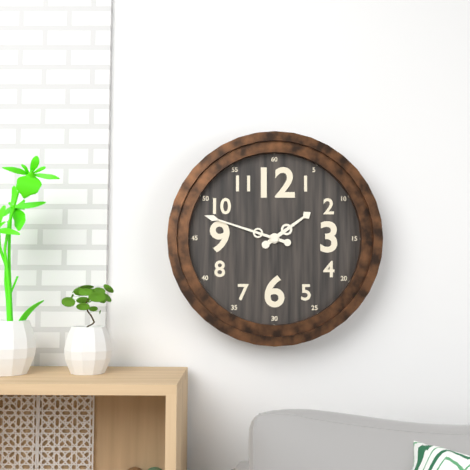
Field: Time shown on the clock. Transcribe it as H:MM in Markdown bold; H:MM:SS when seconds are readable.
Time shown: **1:48**
